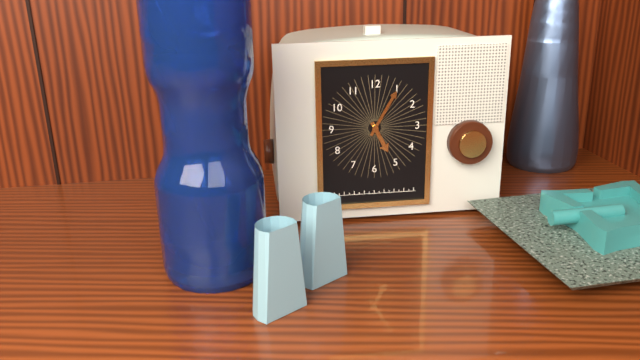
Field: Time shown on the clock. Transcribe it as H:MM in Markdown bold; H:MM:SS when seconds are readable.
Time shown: **5:05**
